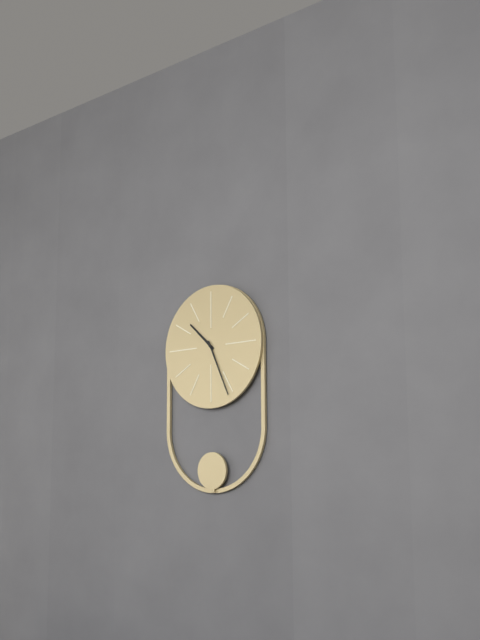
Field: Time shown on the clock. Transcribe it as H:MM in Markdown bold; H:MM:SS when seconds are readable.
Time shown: **10:26**
